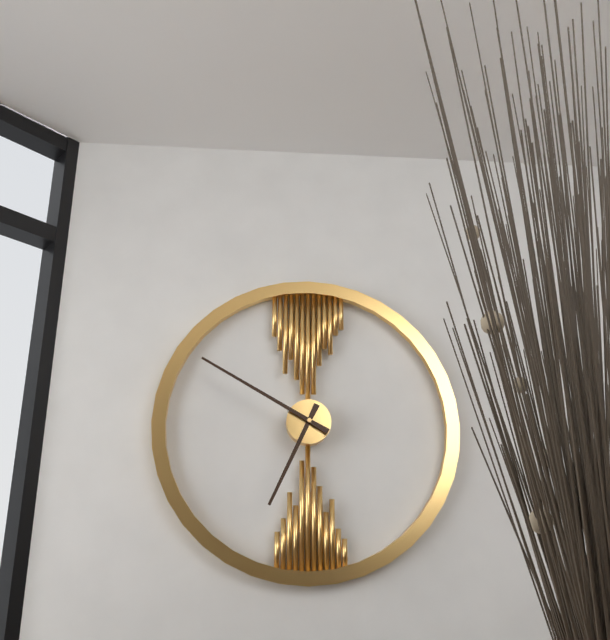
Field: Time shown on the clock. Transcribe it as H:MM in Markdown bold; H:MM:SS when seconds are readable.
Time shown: **6:50**
